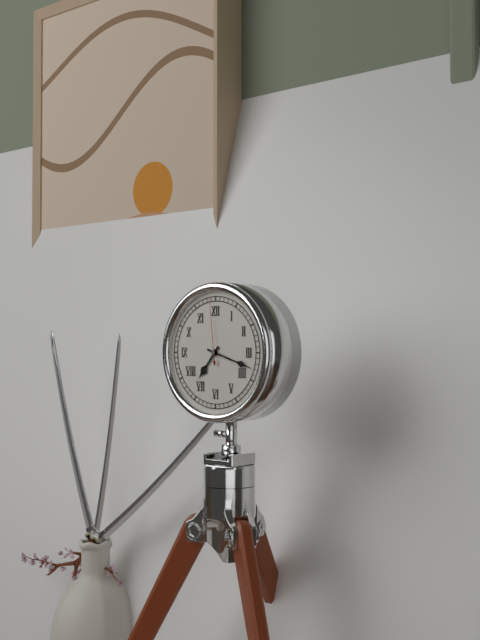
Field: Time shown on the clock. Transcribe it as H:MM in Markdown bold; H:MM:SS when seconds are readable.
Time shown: **7:18:59**
